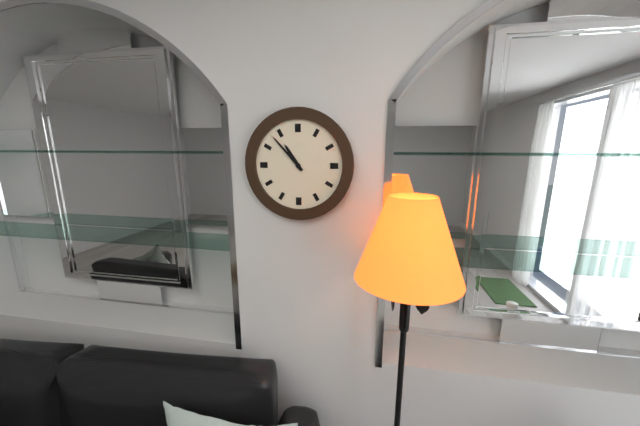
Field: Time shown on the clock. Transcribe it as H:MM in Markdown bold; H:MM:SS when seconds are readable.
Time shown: **10:53**
